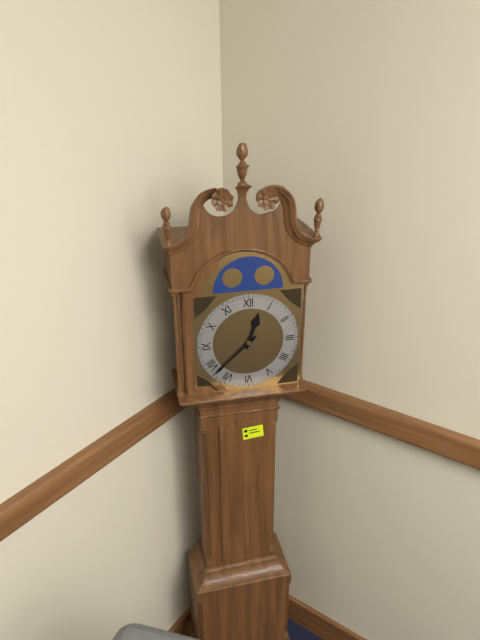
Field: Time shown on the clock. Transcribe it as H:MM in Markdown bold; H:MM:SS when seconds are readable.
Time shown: **12:38**
